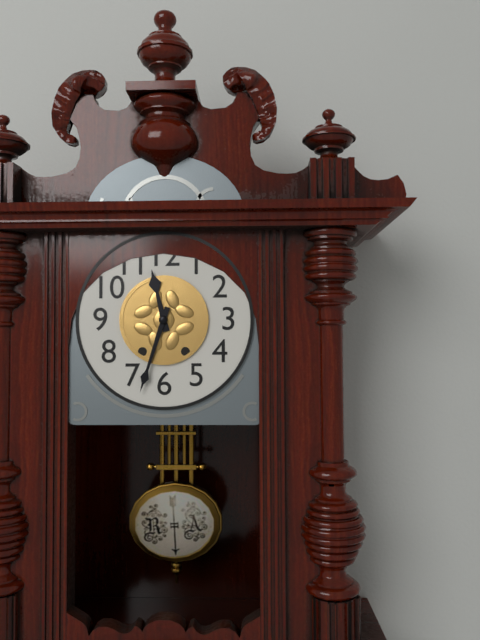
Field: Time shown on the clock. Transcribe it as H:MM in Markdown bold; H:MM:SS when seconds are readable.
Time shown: **11:33**
